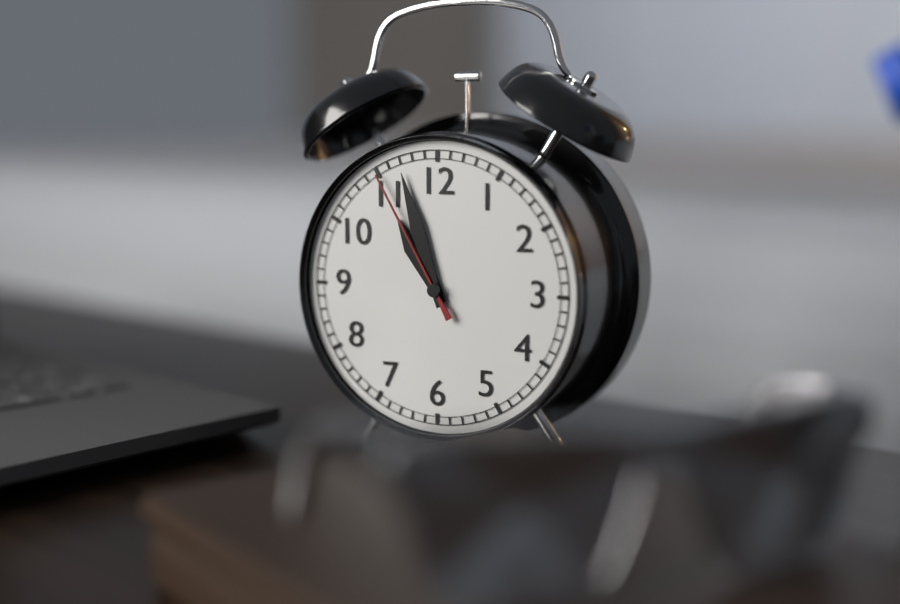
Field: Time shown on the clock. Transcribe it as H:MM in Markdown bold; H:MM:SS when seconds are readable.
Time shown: **10:57:55**
